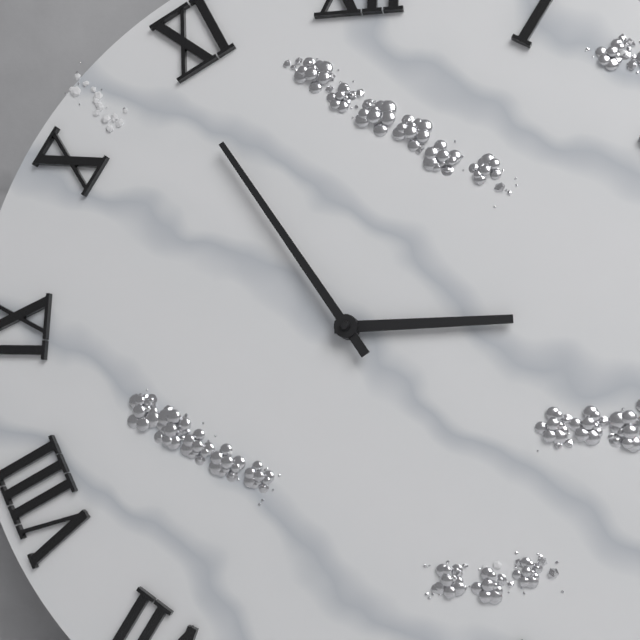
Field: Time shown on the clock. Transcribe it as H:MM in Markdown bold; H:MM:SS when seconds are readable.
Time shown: **2:54**
